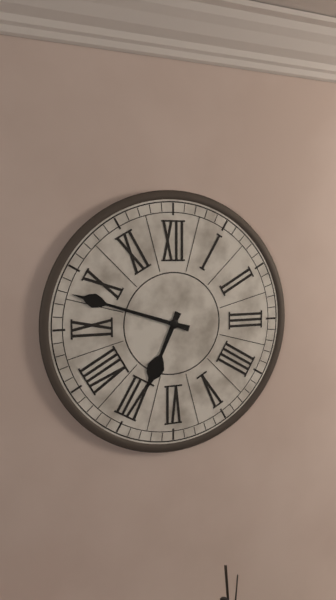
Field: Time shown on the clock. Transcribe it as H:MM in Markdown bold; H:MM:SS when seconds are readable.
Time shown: **6:48**
